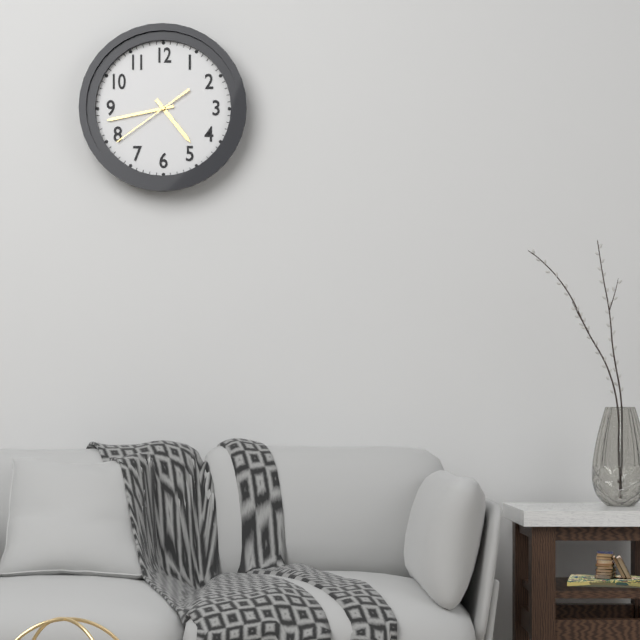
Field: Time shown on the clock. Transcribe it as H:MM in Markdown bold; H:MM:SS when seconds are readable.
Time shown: **4:43:39**
